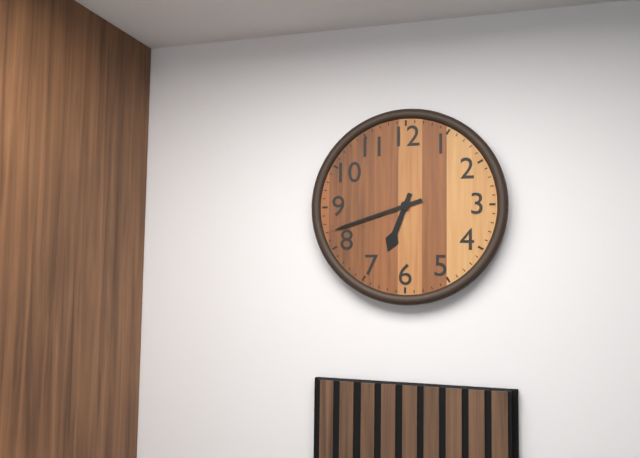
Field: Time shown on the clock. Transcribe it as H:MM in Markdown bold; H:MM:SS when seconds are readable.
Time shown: **6:42**
